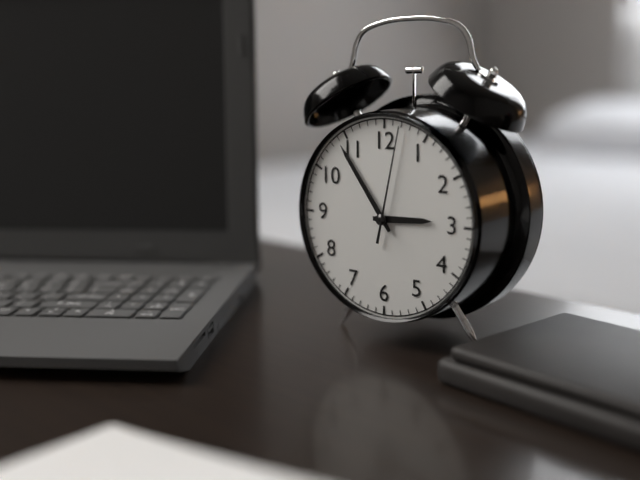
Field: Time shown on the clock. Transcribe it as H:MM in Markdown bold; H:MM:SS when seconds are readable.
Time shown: **2:54:02**
